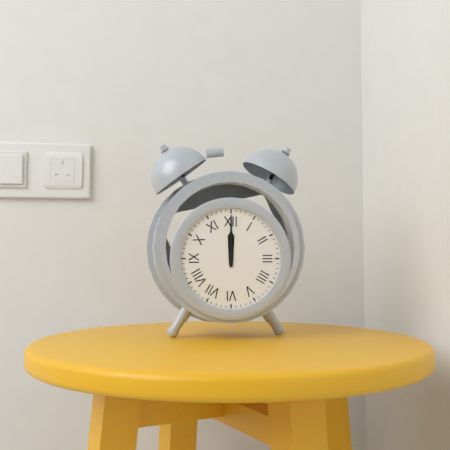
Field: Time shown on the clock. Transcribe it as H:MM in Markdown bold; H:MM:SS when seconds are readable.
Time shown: **12:00**
